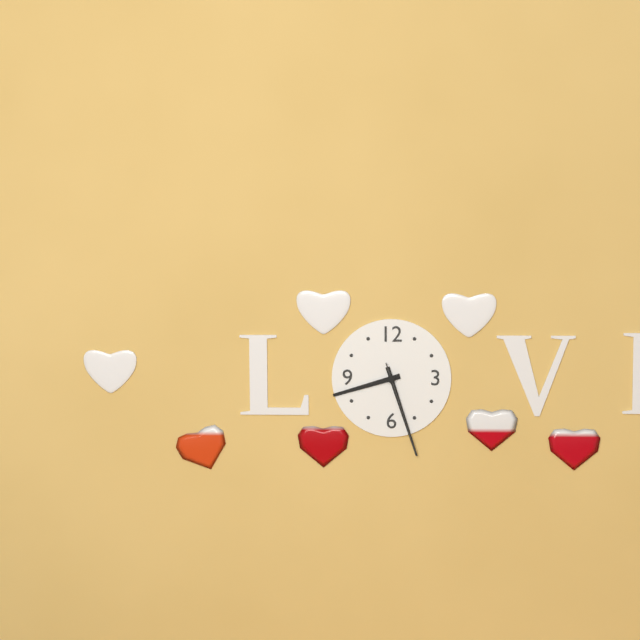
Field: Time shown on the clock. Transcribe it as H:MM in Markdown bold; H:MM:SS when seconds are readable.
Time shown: **8:27:27**
